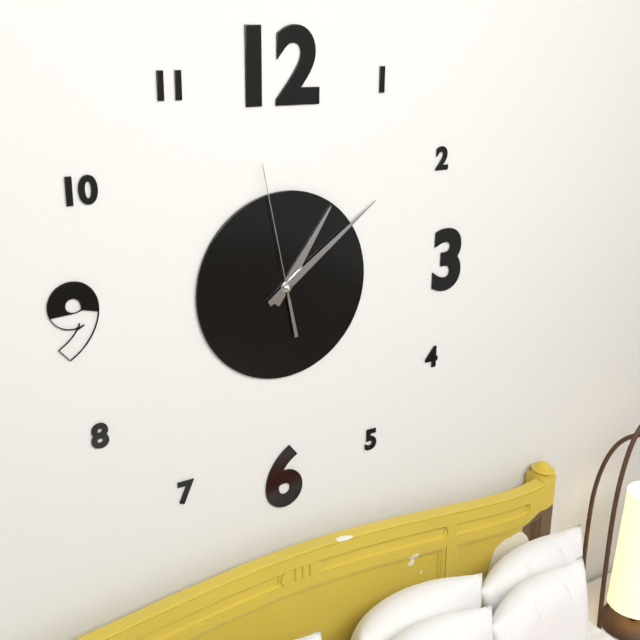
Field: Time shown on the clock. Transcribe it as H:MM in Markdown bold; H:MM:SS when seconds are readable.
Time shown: **1:09:58**
